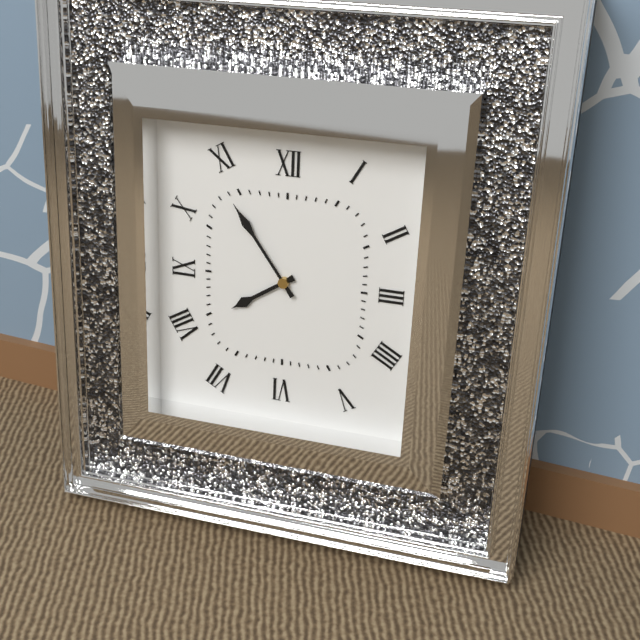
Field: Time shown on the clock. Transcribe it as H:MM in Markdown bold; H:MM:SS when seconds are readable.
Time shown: **7:54**
